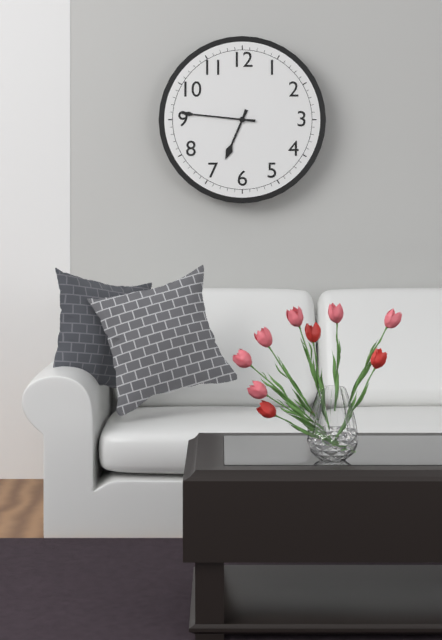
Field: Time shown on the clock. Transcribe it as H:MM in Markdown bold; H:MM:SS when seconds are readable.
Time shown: **6:46**
